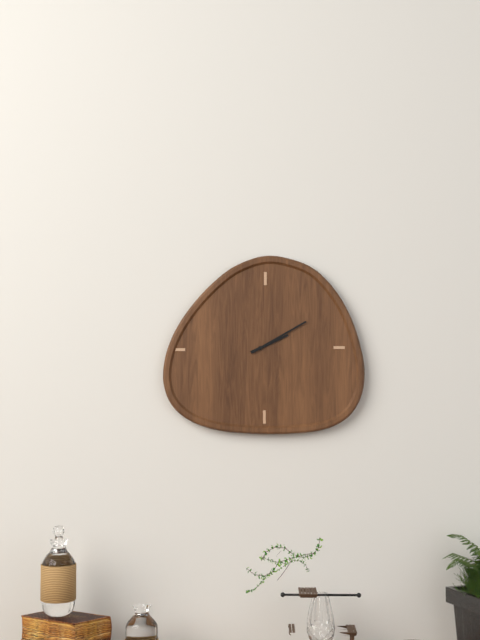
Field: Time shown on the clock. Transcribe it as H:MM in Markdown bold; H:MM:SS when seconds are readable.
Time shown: **2:10**
